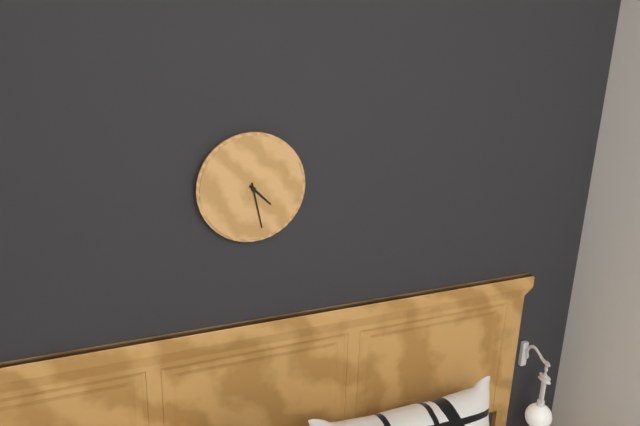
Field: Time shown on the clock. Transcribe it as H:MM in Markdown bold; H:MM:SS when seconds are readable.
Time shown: **4:28**
